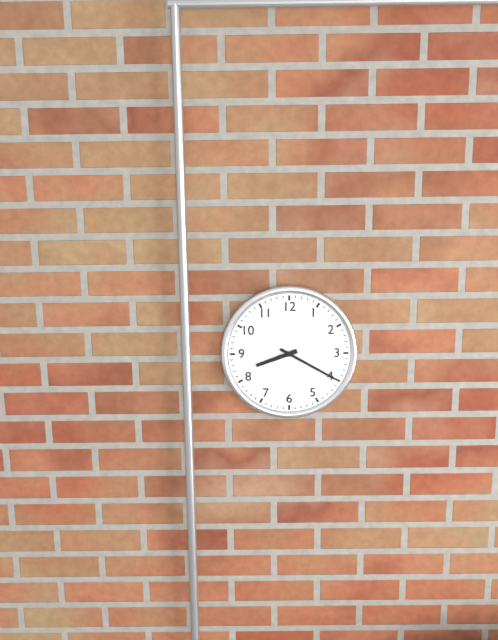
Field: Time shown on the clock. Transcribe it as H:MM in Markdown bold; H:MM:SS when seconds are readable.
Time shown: **8:20**
